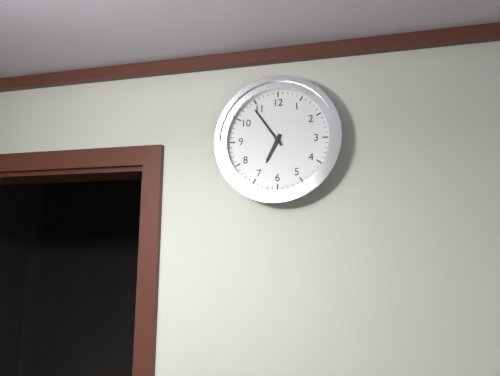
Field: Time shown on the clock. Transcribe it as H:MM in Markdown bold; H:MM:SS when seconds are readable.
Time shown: **6:54**
